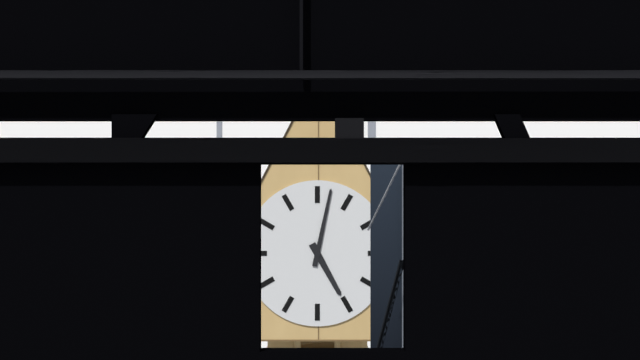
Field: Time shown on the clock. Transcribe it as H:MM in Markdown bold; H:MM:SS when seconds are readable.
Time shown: **5:02**
